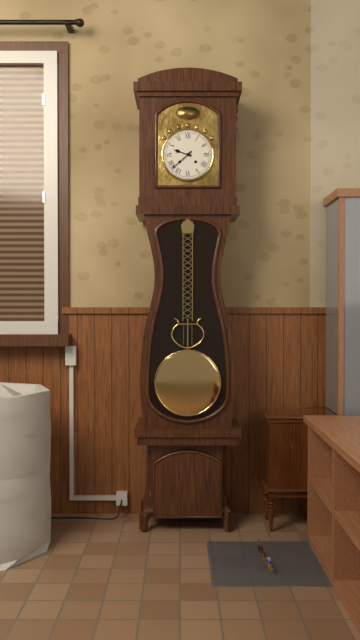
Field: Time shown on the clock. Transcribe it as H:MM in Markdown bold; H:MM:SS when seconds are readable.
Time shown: **9:38**
